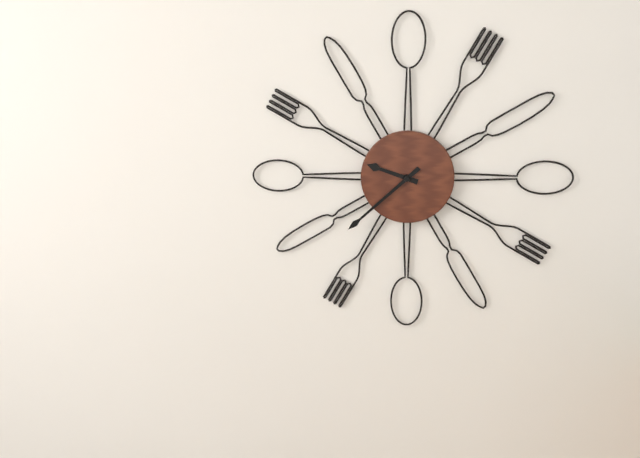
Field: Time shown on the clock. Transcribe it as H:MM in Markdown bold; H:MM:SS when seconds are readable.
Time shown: **9:38**
